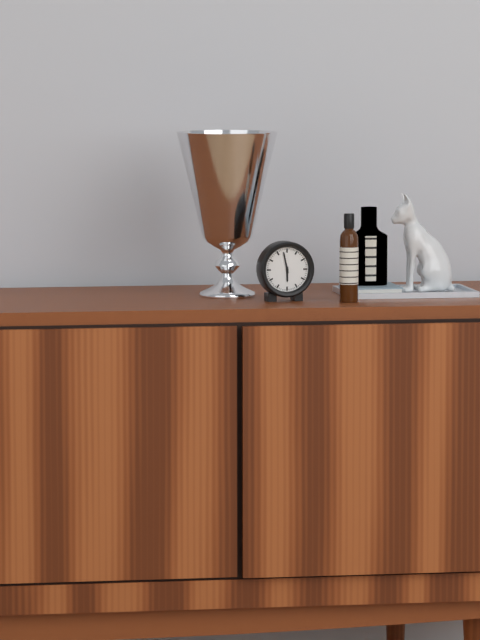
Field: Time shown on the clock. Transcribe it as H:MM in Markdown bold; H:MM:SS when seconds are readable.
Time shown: **5:58**
